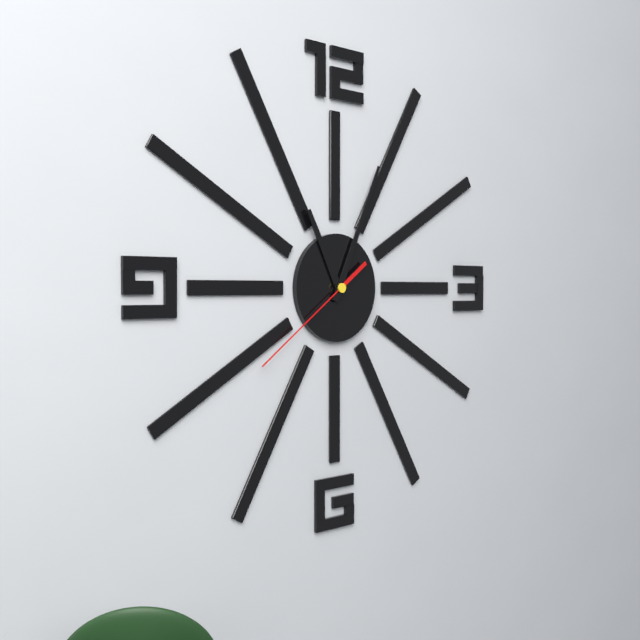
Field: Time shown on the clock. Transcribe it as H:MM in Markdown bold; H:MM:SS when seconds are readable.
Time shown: **11:04:39**
